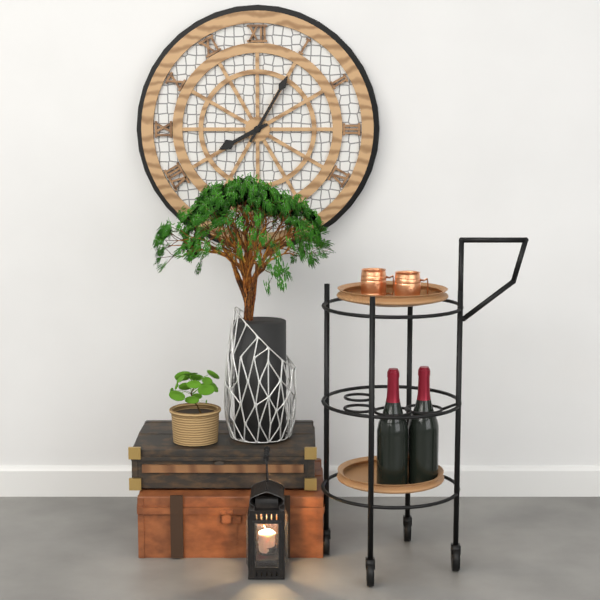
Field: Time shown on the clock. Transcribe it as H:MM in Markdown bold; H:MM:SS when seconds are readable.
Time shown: **8:05**
